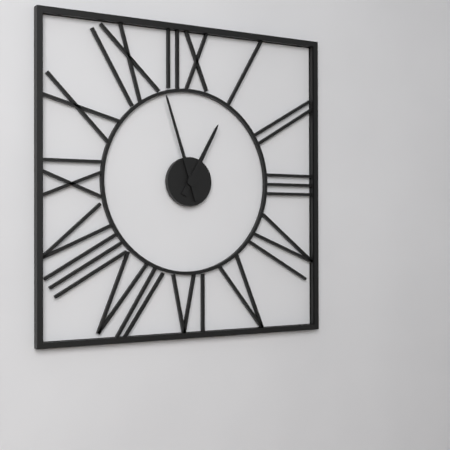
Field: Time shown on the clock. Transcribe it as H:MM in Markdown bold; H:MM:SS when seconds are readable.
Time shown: **12:57**
